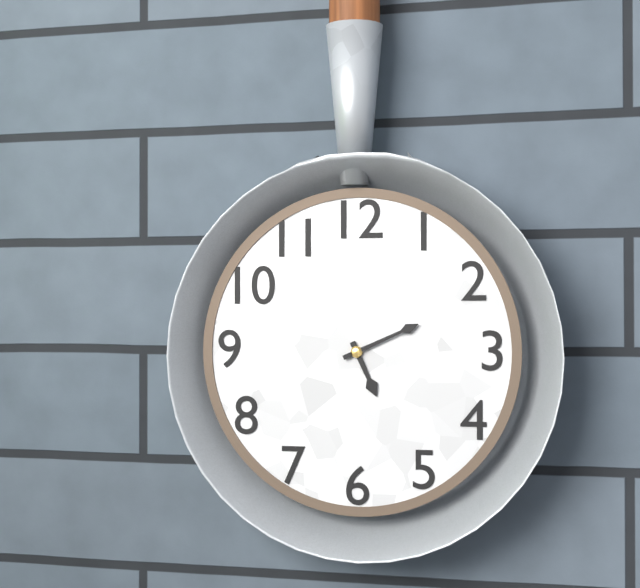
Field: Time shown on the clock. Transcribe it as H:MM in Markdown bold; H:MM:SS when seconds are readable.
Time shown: **5:11**
